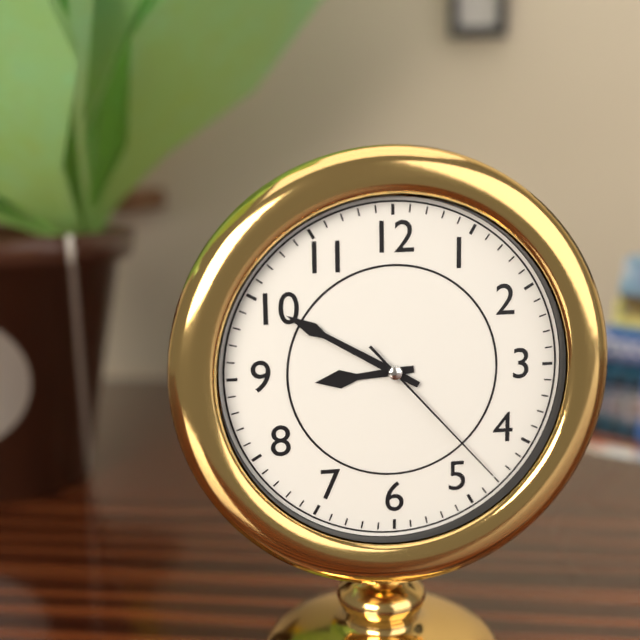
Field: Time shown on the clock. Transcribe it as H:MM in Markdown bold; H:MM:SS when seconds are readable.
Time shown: **8:50:23**
